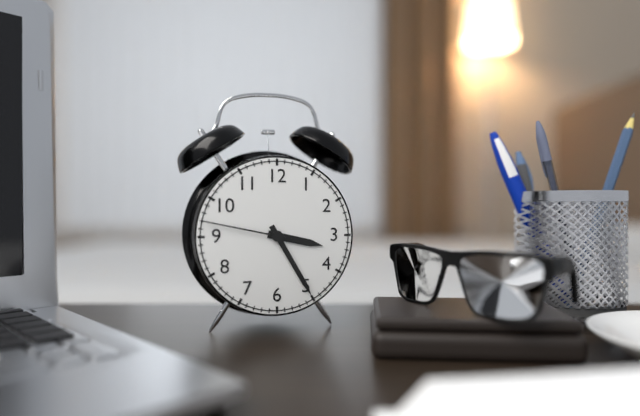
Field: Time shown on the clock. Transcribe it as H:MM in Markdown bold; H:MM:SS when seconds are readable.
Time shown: **3:25:47**
